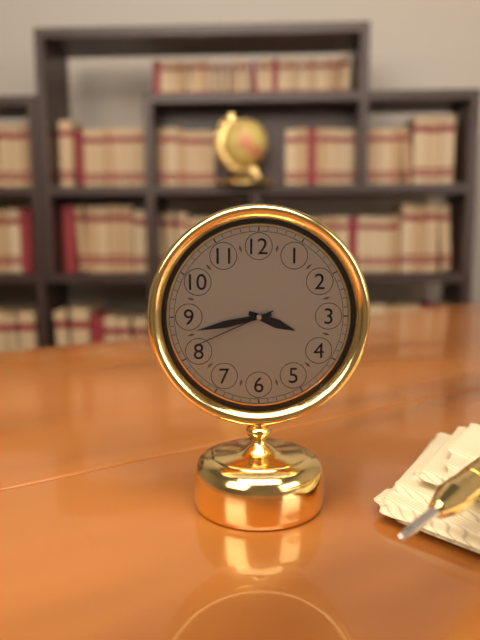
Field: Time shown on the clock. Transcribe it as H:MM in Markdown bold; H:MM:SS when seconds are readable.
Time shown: **3:43:41**
